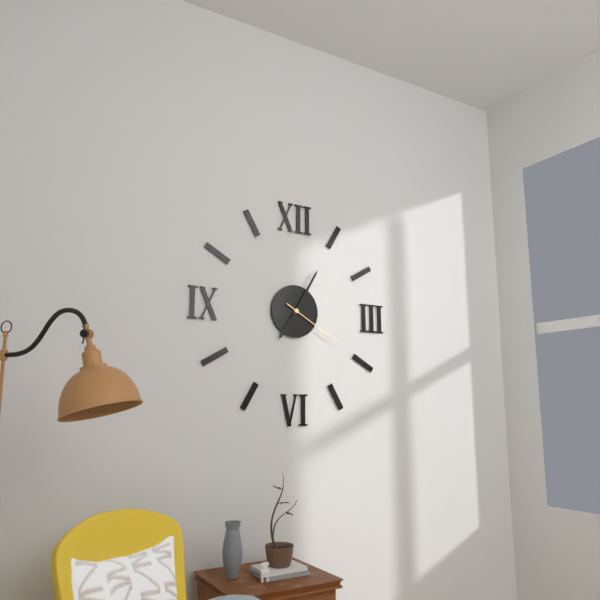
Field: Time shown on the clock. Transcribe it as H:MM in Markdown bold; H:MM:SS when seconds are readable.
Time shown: **7:05:20**
